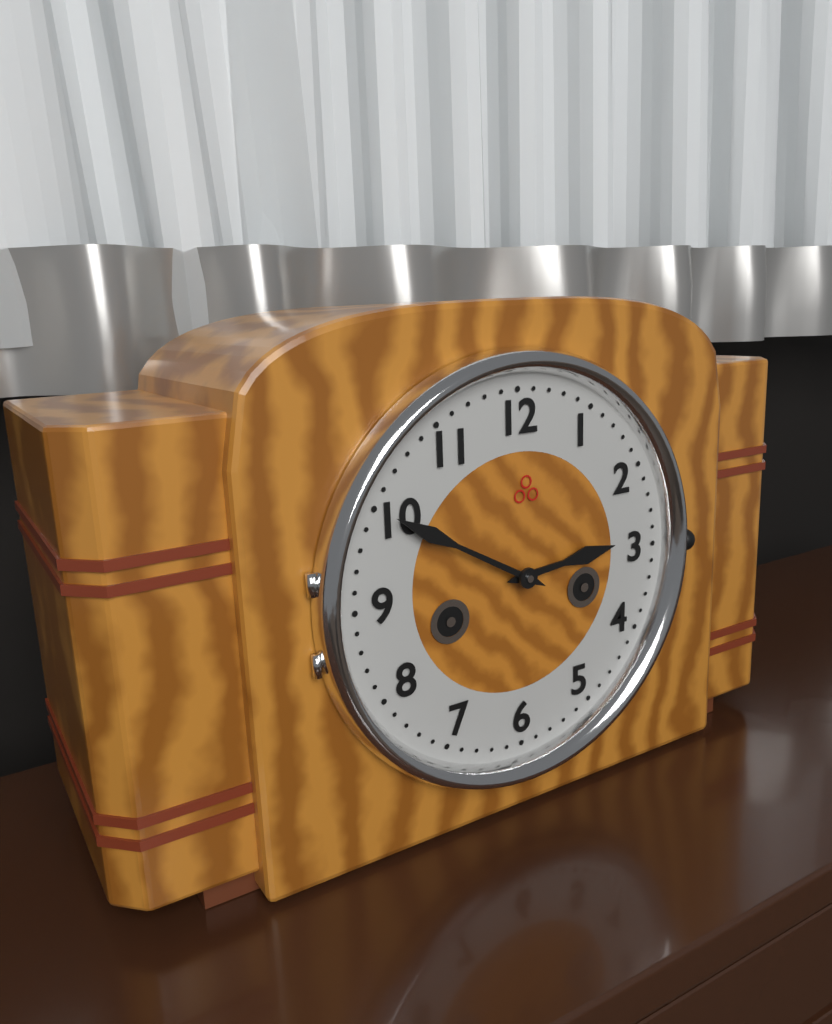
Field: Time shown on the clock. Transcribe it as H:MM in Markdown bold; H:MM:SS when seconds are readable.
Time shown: **2:50**
